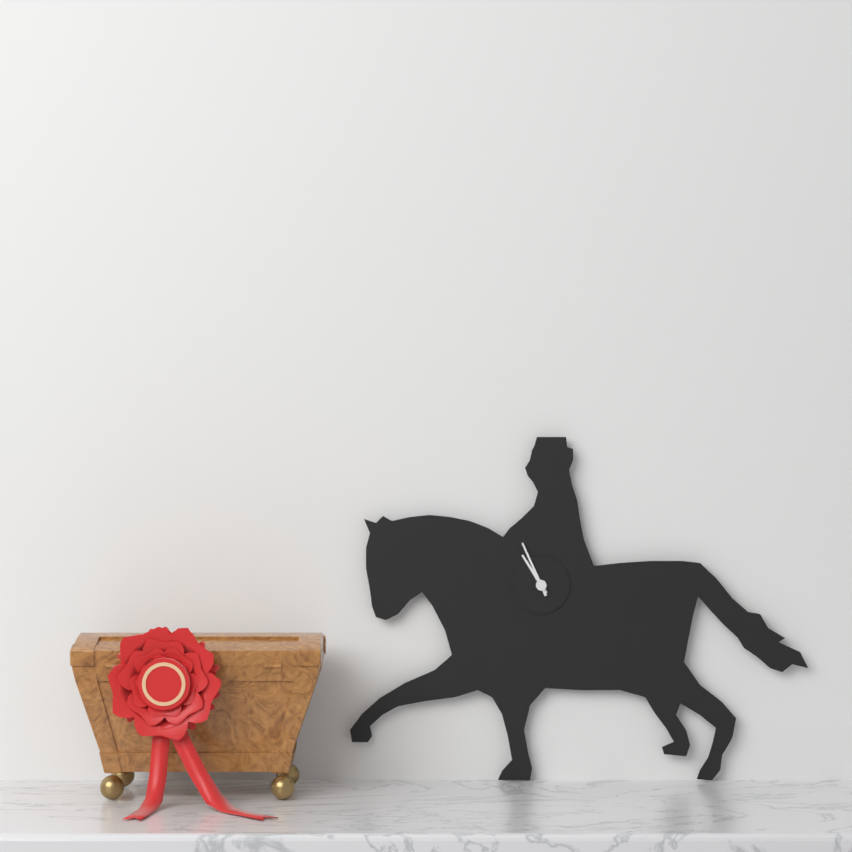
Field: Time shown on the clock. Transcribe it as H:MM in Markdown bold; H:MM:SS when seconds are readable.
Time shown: **10:56**
